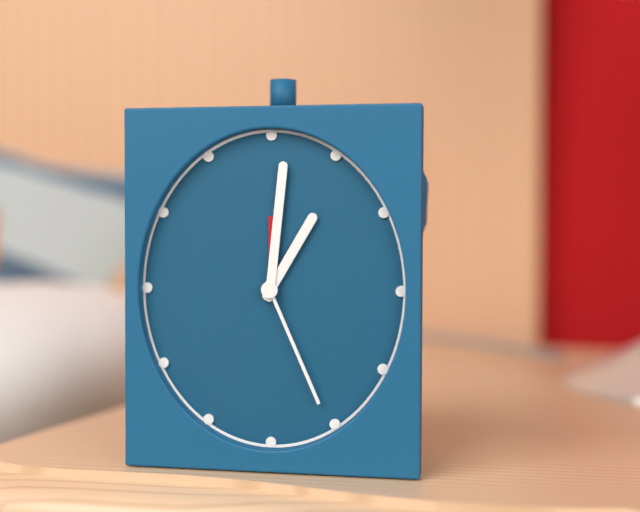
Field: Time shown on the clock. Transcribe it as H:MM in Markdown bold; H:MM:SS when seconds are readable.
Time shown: **1:01:26**
